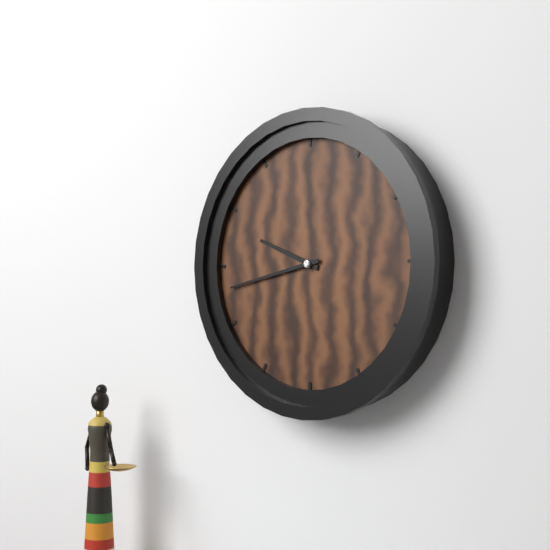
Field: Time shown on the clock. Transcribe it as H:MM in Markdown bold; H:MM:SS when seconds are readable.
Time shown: **9:43**
